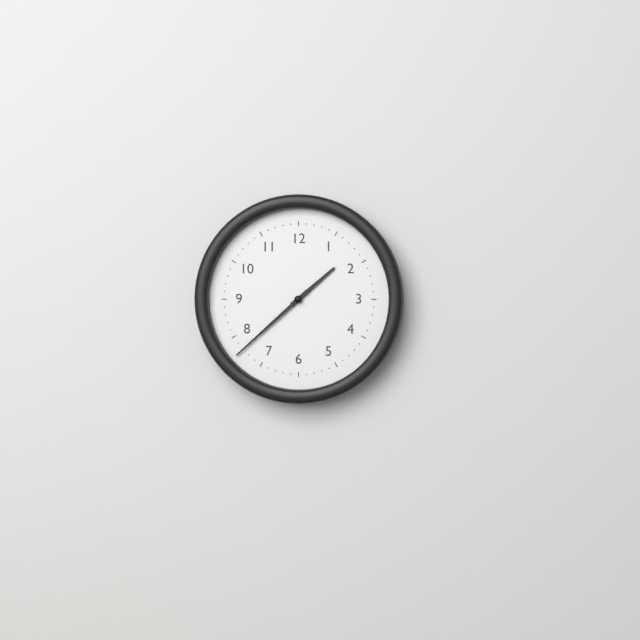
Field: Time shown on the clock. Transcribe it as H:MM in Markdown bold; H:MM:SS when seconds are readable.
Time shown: **1:38**
